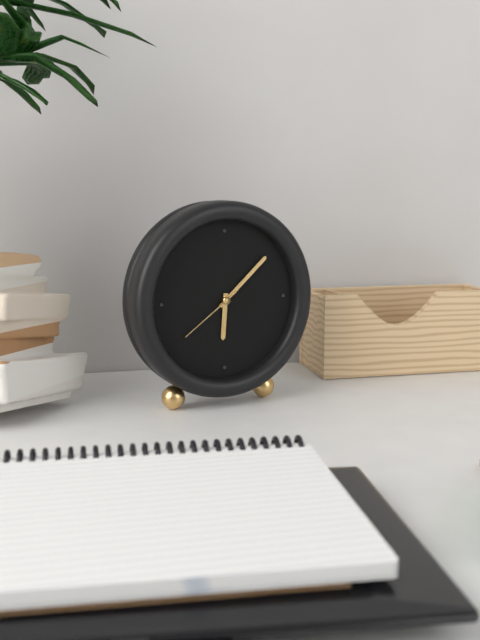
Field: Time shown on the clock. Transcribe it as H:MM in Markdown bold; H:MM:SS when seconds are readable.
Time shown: **6:08:39**
